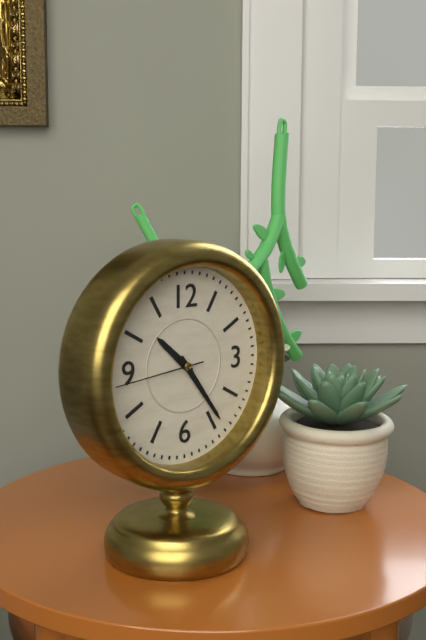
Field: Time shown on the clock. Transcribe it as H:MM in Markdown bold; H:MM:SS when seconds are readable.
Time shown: **10:24:44**
